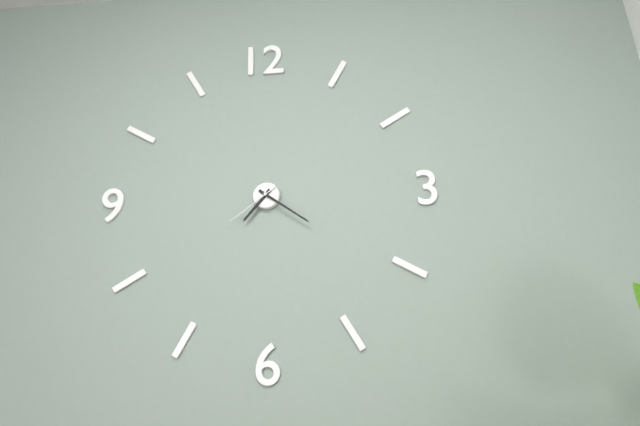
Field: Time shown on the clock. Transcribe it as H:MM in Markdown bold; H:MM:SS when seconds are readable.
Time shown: **7:21:39**
